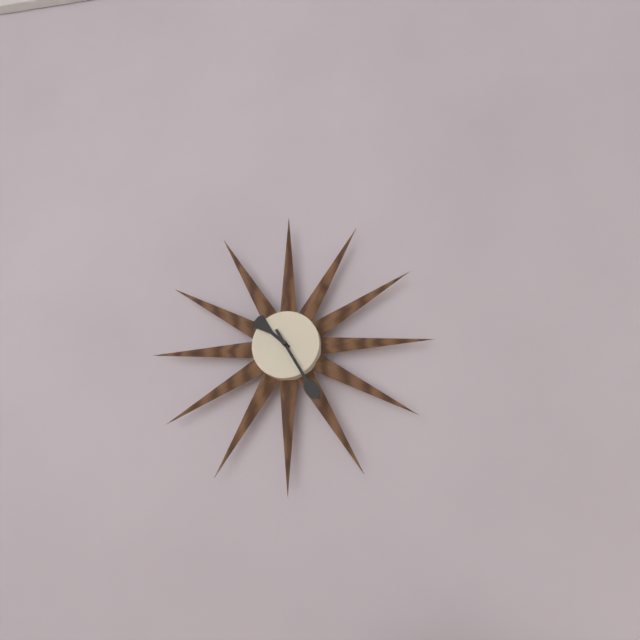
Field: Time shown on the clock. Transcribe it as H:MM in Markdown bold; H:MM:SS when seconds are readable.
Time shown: **10:25**
